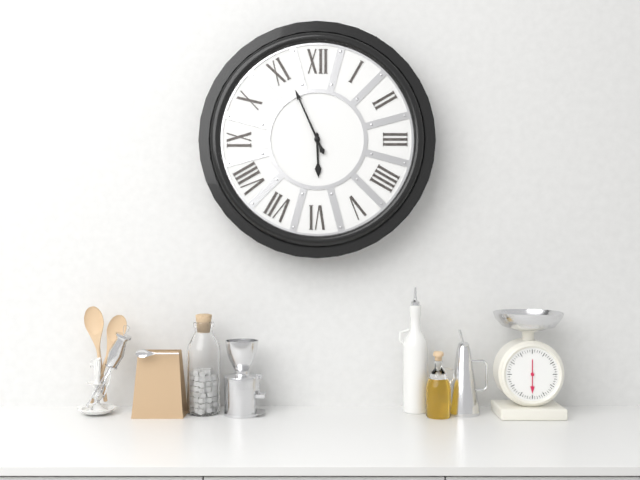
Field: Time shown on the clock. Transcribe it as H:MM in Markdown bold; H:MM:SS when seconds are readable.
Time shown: **5:56**
